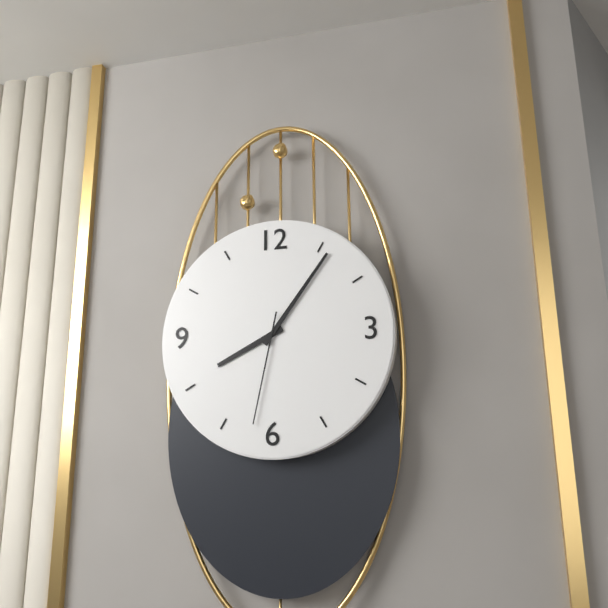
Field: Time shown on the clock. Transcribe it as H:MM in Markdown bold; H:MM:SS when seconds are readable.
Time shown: **8:06:32**
